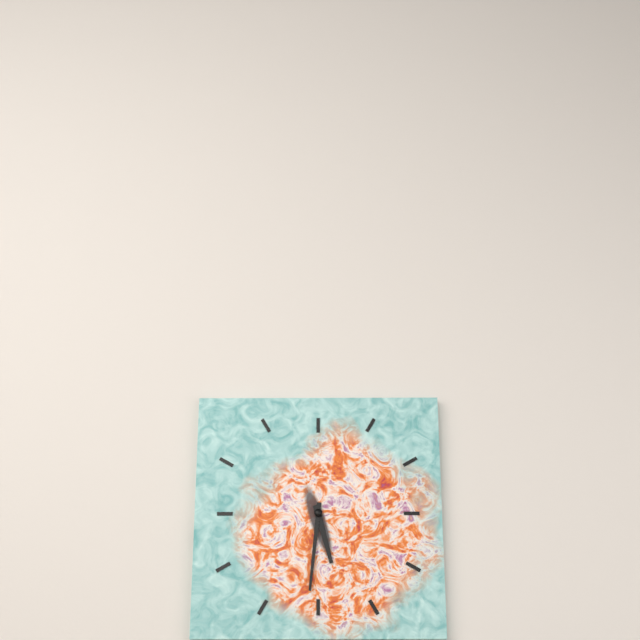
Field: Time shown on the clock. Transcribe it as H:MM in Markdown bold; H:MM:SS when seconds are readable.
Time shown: **5:31**
